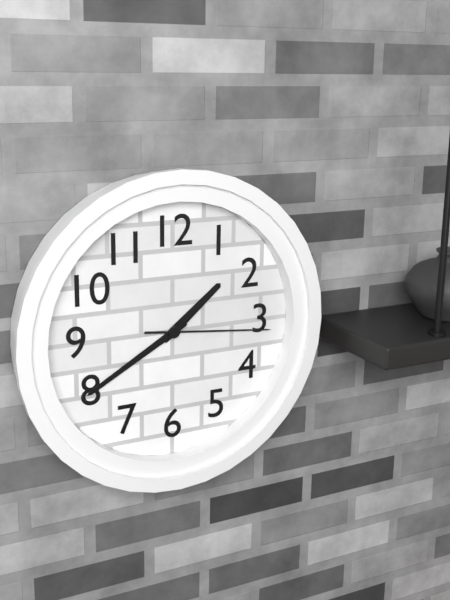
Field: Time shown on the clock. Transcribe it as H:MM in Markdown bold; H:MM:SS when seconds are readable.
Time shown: **1:40:16**
